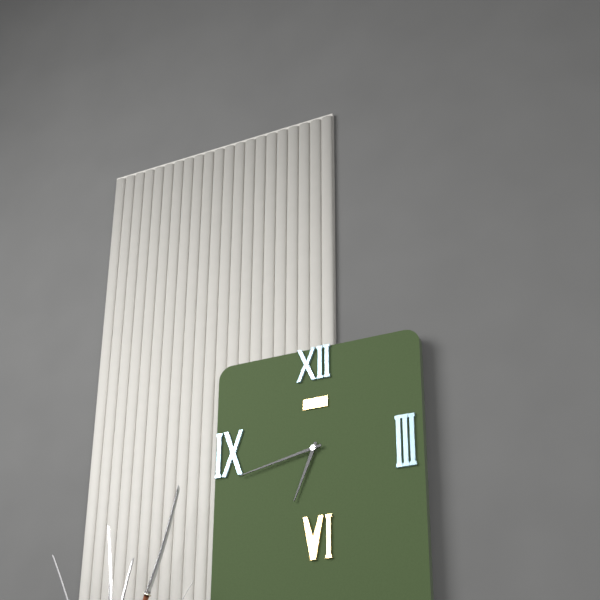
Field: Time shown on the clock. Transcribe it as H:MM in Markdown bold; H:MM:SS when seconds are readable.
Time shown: **6:43**
